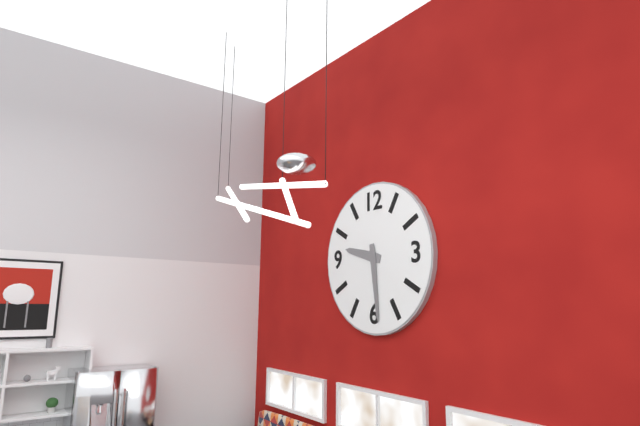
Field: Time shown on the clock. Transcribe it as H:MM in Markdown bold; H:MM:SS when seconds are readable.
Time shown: **9:29**
